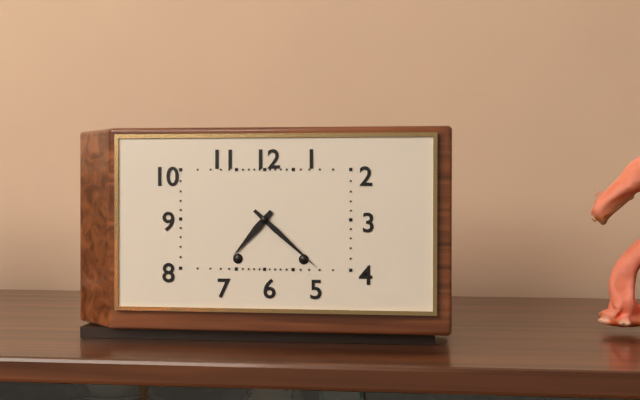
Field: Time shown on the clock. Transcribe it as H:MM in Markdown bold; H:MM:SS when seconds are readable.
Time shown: **7:22**
